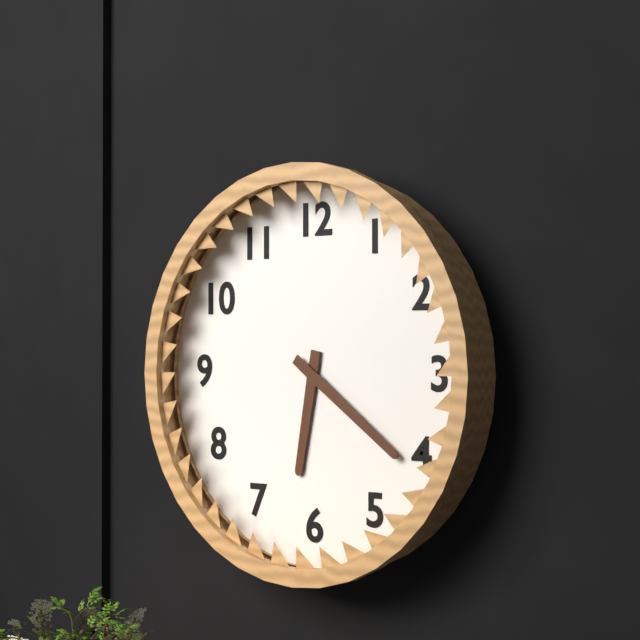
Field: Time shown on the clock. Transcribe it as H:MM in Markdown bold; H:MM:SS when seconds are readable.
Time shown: **6:21**
